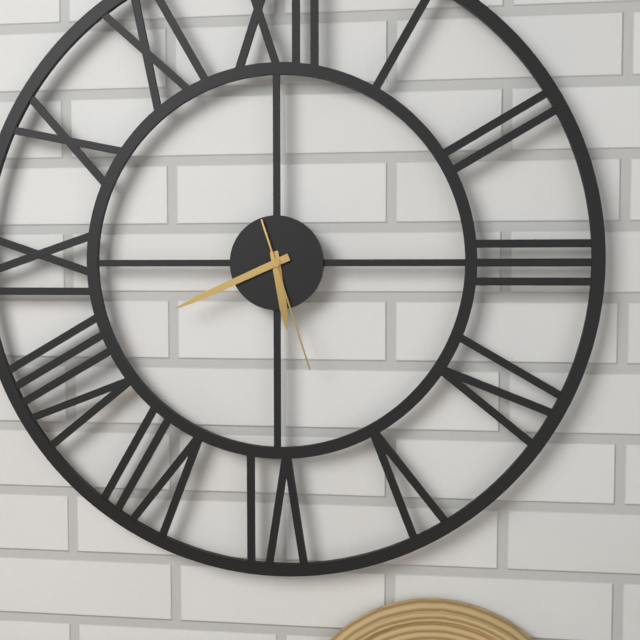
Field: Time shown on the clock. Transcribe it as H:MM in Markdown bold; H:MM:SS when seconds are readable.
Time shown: **5:41:27**
